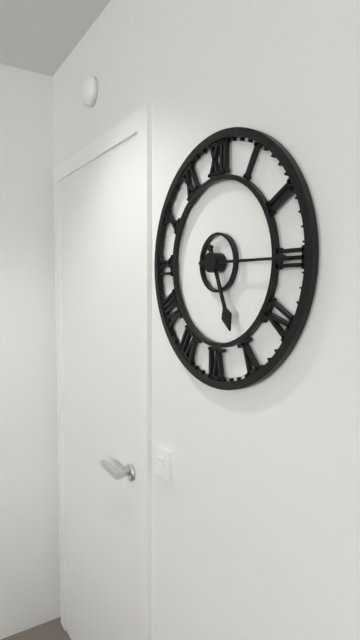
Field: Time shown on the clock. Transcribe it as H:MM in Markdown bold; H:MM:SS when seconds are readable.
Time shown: **5:15**
